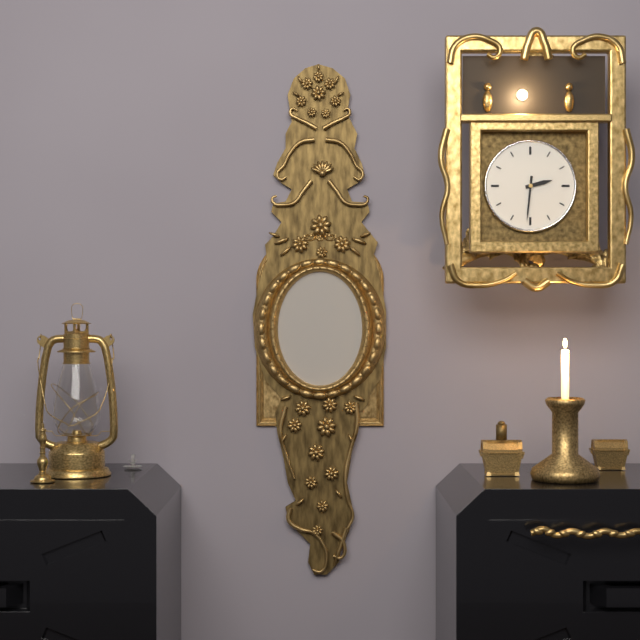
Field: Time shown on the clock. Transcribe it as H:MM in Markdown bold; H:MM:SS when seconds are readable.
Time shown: **2:31**
